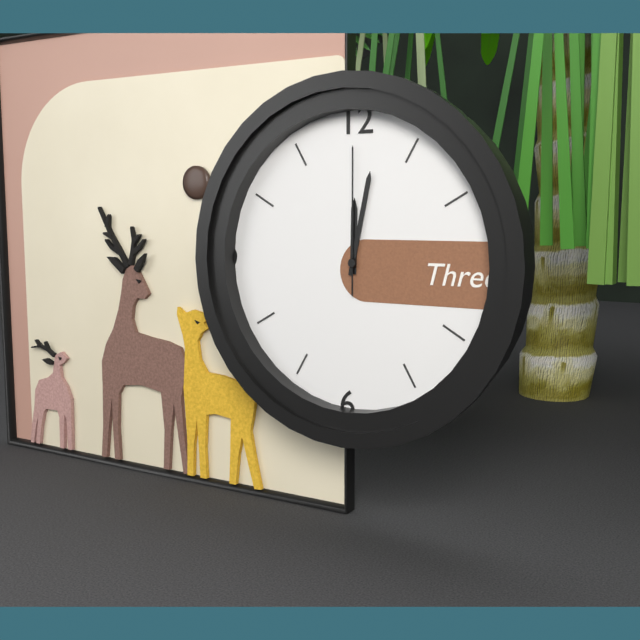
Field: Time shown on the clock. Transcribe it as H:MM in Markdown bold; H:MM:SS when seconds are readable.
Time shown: **12:02:00**
